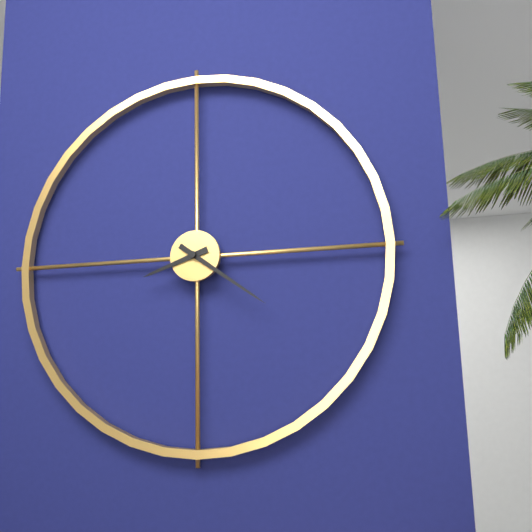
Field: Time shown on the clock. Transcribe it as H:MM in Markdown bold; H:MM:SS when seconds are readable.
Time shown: **8:21**
